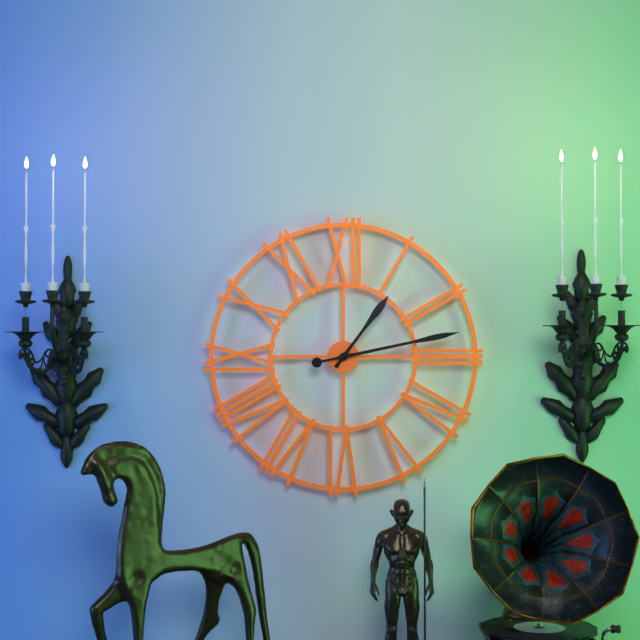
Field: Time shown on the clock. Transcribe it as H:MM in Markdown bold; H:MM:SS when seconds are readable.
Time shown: **1:13**
